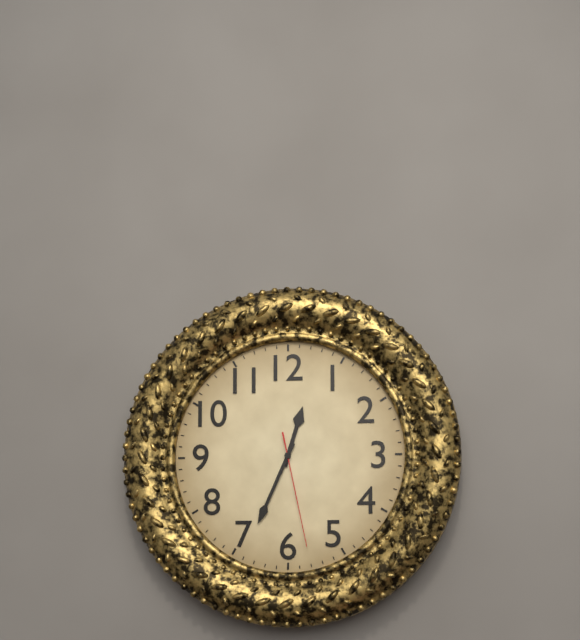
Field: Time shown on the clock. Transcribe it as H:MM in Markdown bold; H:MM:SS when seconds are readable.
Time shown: **12:34:28**
